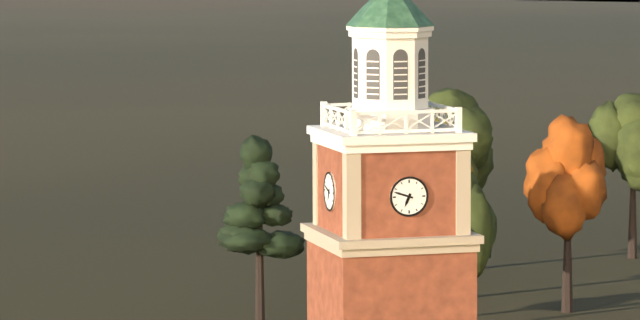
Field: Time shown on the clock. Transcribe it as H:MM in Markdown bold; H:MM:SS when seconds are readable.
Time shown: **6:48**
